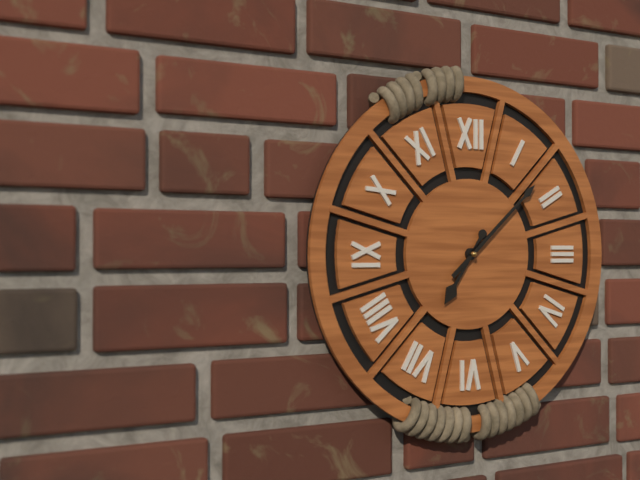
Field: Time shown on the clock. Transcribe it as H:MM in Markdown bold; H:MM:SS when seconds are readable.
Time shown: **7:08**
